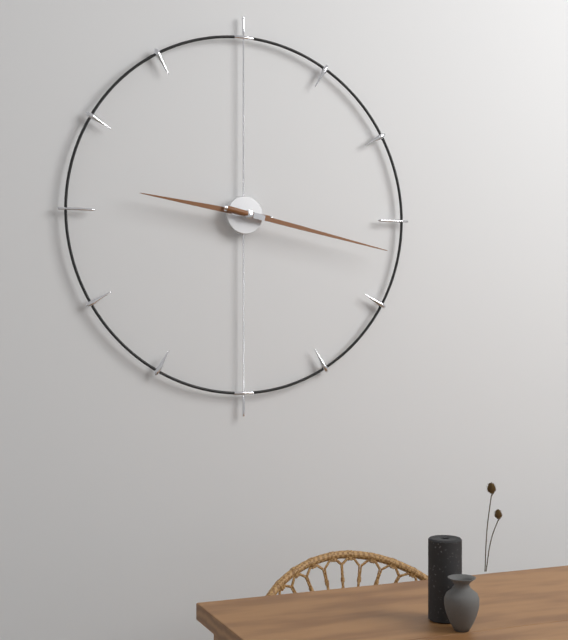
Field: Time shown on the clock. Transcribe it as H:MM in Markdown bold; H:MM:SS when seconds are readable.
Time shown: **9:17**
